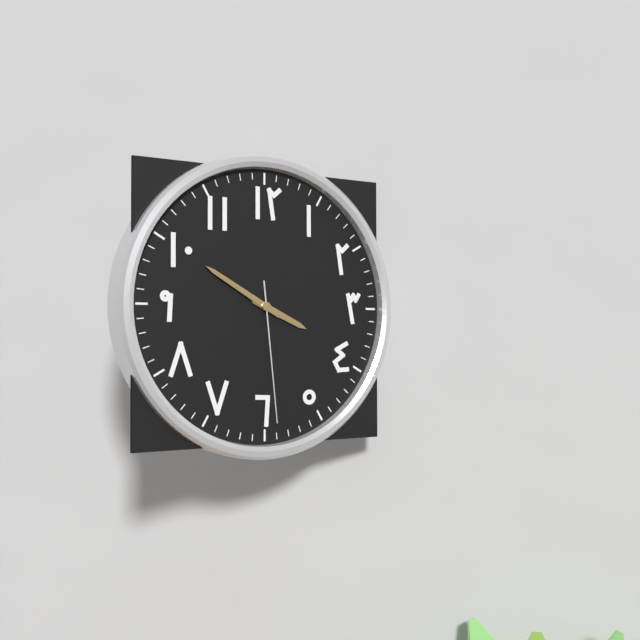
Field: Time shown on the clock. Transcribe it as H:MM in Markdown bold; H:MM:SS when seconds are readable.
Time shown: **3:50:29**
